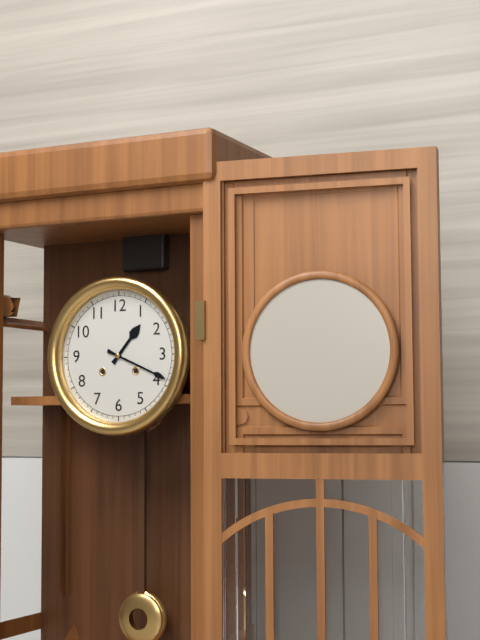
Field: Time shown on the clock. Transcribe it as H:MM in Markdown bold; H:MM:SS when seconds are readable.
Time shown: **1:19**
